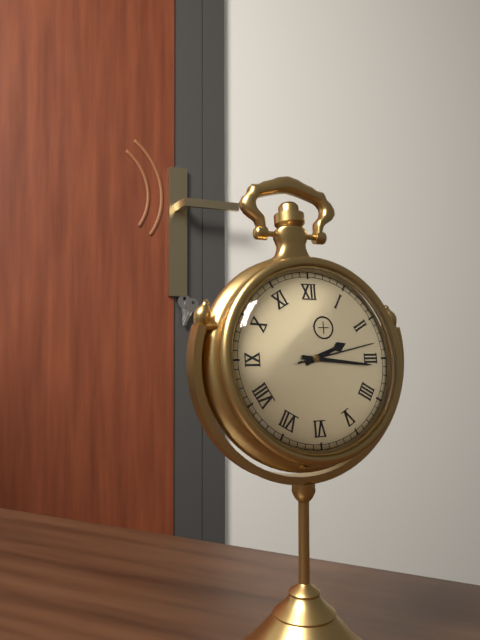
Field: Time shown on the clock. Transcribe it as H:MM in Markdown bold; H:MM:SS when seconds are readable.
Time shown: **2:16:13**
